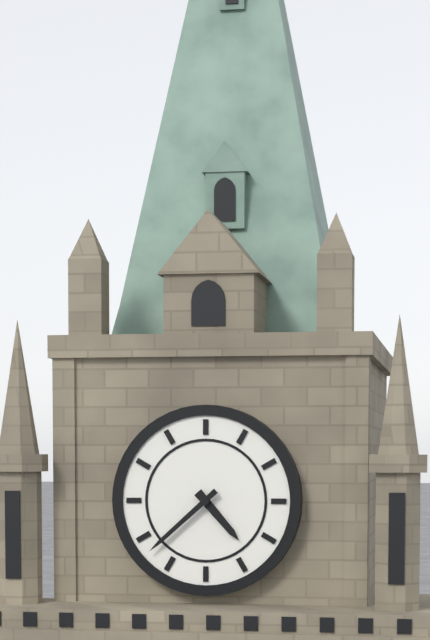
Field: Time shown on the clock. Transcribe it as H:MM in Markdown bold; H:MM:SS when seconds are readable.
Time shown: **4:38**
